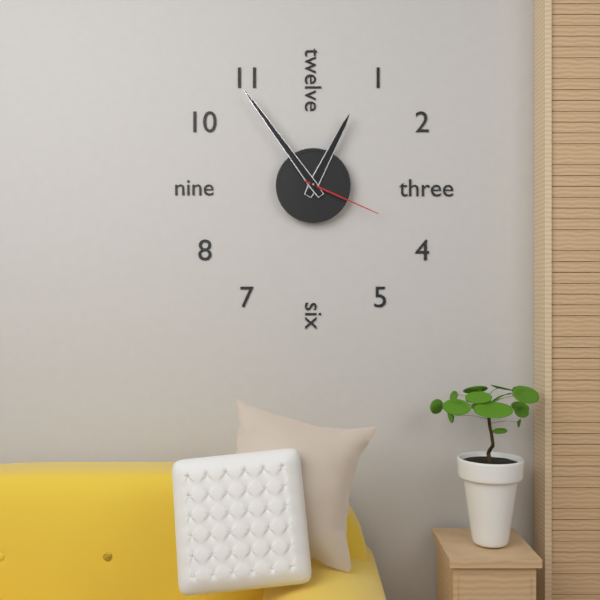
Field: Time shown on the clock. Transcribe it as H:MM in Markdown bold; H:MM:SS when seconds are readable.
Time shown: **12:54:19**
